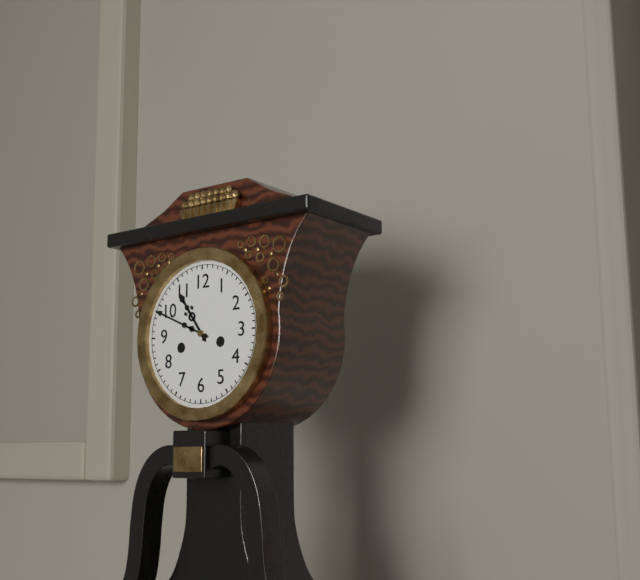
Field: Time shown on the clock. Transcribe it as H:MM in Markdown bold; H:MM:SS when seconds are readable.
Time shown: **10:49**
